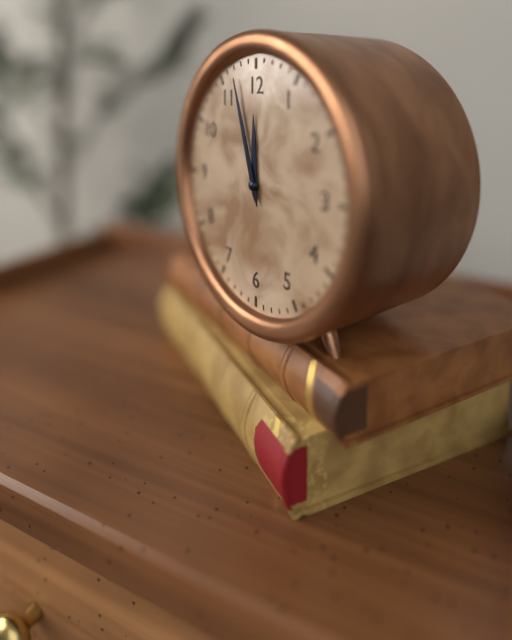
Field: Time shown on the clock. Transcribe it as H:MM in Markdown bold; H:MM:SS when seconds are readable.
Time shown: **11:57**
